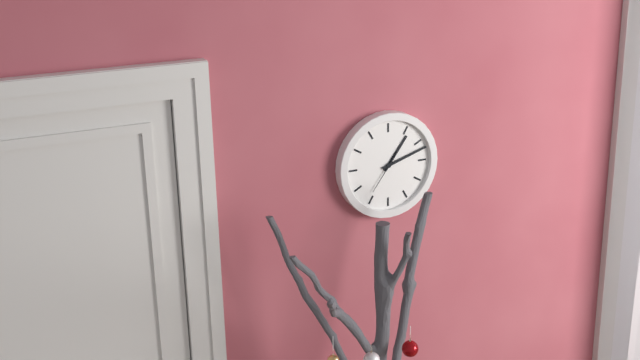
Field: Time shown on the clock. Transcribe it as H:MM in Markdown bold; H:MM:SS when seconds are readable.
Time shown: **1:12**
